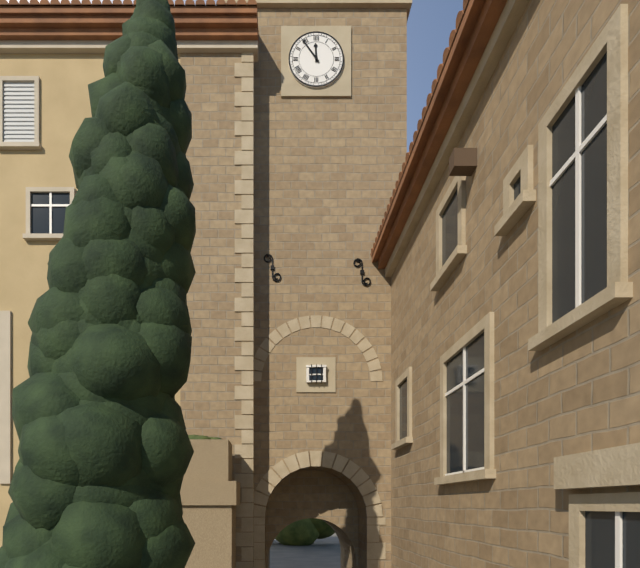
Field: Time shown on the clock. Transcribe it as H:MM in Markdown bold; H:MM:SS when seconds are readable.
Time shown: **11:54**
